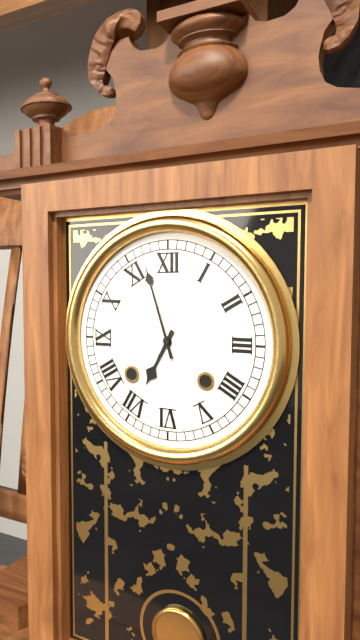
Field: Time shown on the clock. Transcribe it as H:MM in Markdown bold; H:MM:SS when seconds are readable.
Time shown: **6:57**
